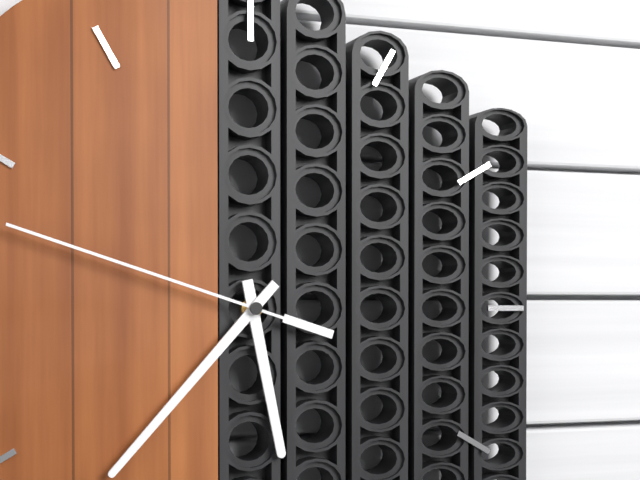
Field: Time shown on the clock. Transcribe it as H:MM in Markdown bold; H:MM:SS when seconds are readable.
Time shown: **5:37:48**
